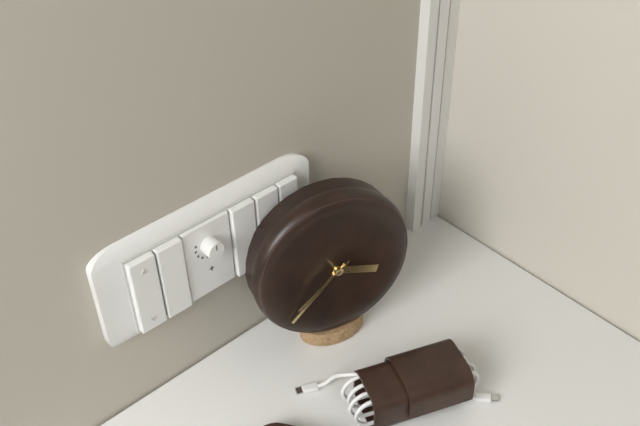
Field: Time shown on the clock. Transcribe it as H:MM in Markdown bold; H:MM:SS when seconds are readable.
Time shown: **3:38:39**
